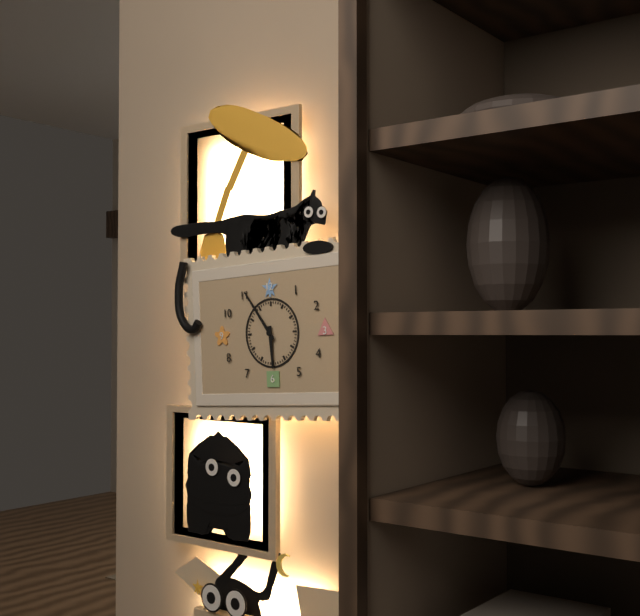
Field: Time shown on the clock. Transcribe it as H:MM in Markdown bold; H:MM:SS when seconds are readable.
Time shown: **5:54**
